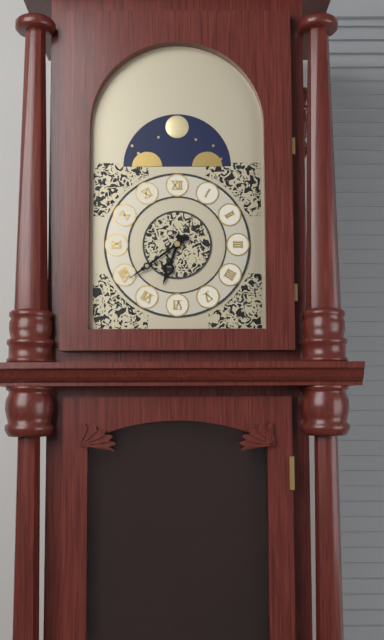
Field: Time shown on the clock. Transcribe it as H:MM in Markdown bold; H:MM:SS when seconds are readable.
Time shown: **6:39**
